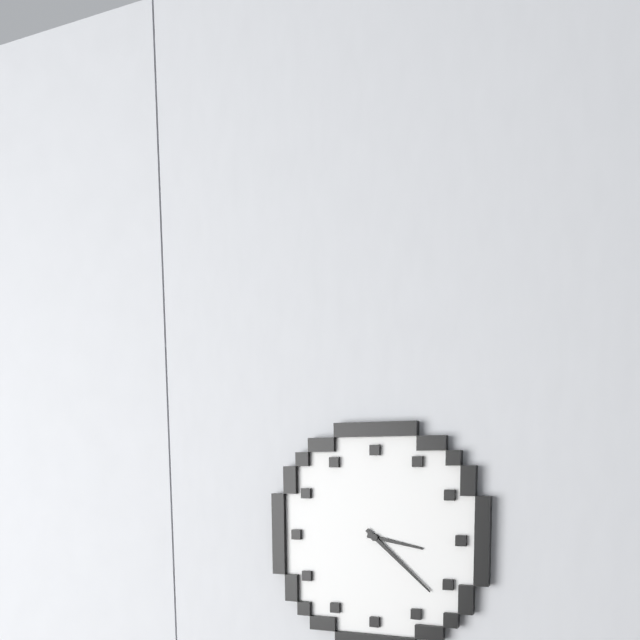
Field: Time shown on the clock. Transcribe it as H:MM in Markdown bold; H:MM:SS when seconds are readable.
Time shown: **3:22**
